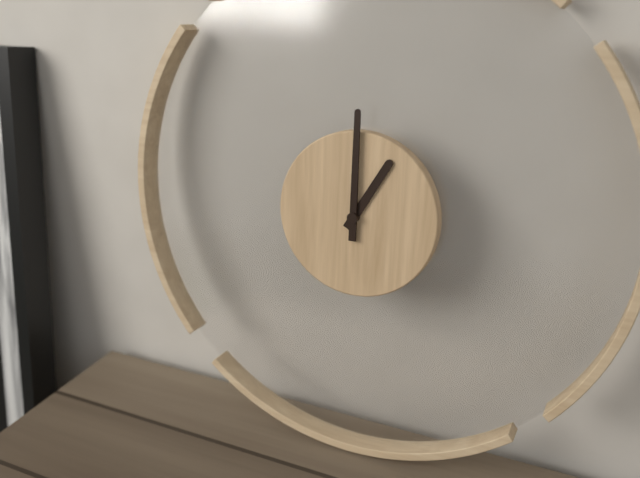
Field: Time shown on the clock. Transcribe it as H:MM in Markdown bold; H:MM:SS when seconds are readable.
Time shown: **1:00**
